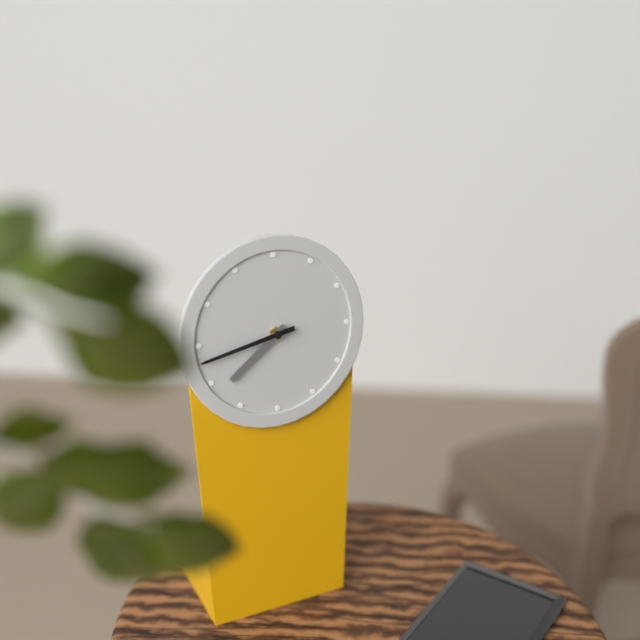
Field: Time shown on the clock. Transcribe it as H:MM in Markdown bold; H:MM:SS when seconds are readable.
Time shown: **7:43**
